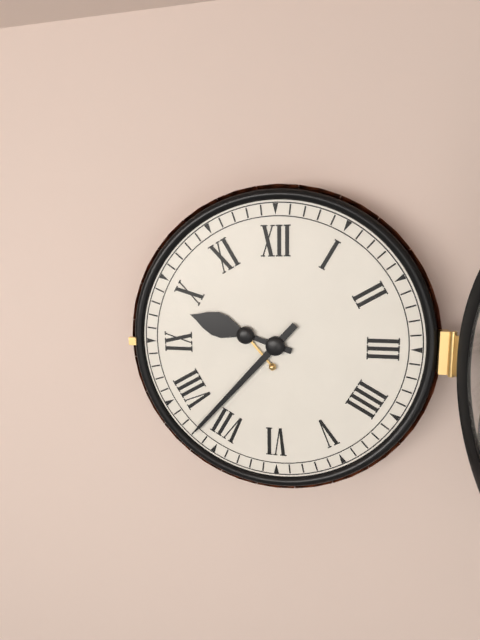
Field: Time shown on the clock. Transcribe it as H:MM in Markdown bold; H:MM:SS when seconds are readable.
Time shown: **9:37**
